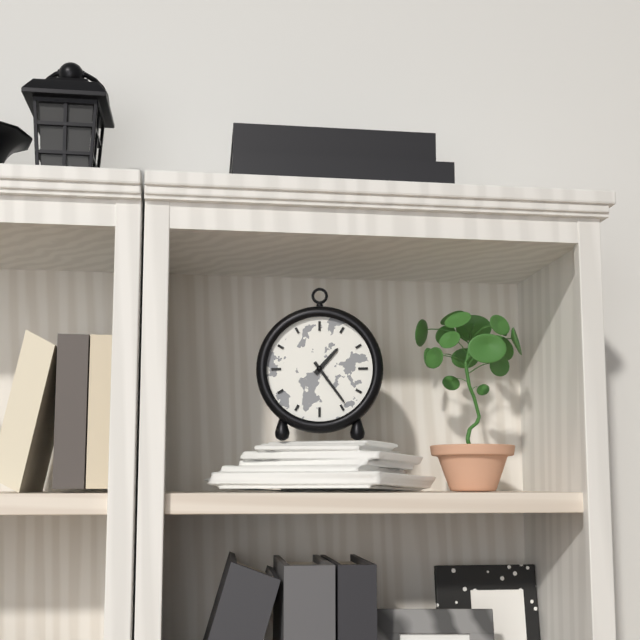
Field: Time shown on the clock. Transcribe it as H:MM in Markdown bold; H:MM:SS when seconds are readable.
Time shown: **1:24**
